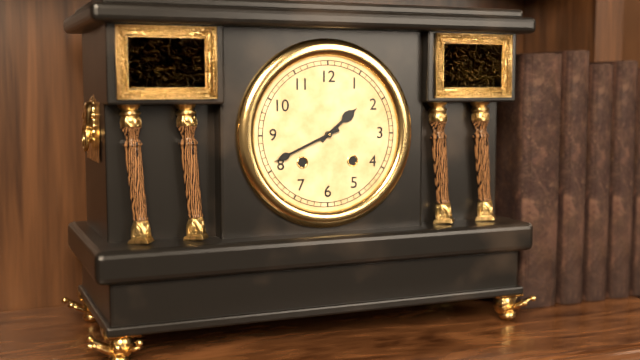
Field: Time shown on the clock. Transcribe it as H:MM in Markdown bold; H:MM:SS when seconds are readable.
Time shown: **1:41**
